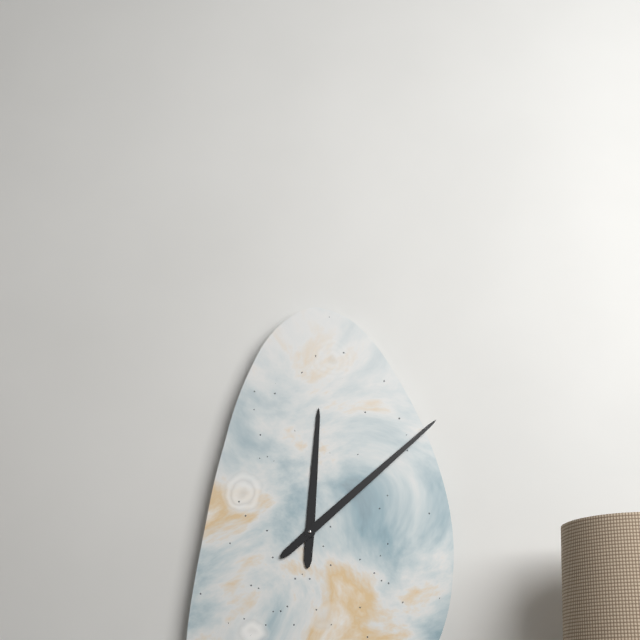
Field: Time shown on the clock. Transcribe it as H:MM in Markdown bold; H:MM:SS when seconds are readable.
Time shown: **12:08**
